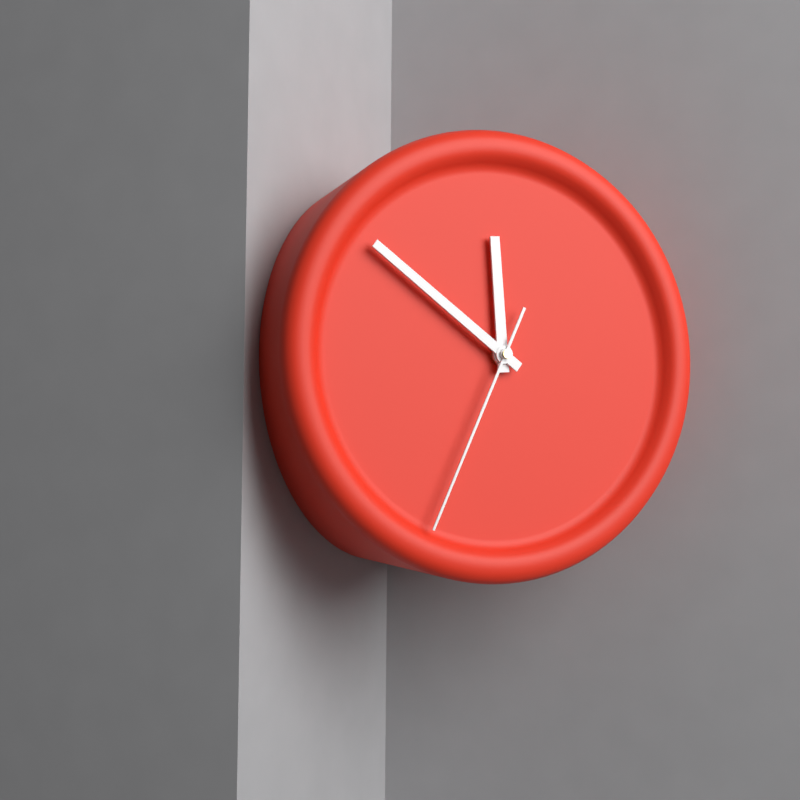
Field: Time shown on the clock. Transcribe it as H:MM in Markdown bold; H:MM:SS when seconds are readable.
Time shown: **11:51:34**
